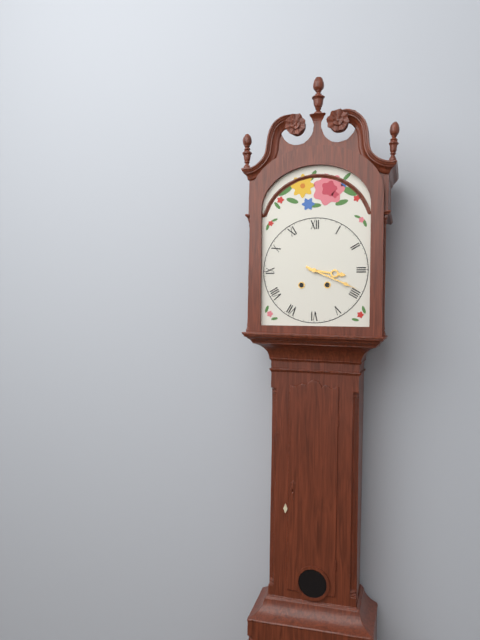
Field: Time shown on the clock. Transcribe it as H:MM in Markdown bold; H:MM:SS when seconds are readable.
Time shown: **3:19**
